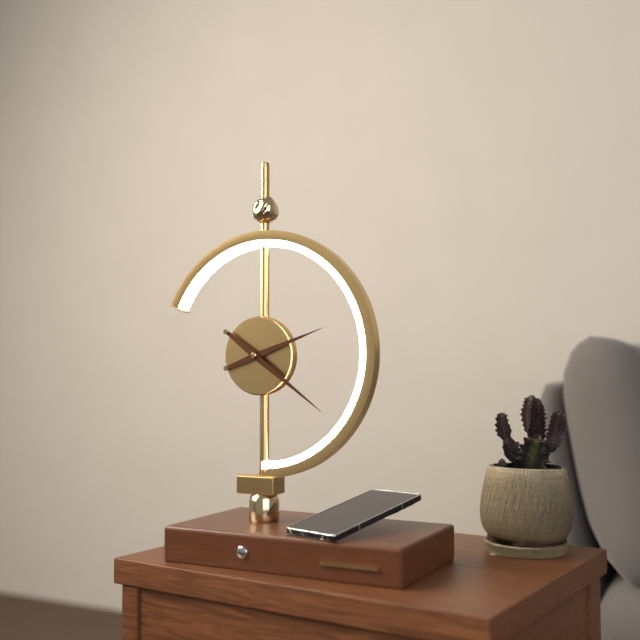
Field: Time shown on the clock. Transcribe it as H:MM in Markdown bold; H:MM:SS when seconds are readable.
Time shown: **2:21**
